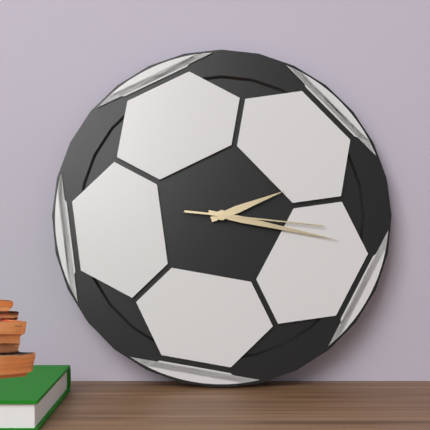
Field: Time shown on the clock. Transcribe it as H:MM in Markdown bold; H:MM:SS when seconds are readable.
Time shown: **2:17:16**
